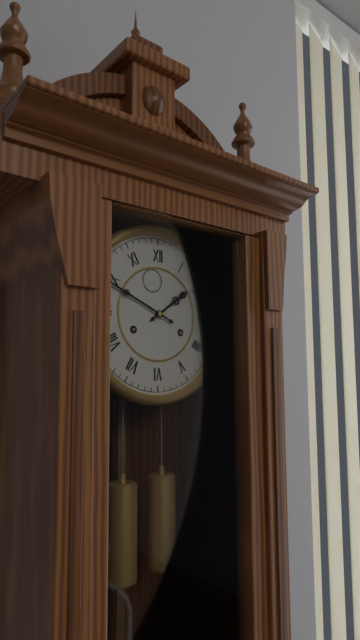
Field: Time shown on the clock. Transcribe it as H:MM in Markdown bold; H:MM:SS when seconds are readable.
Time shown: **1:49**
